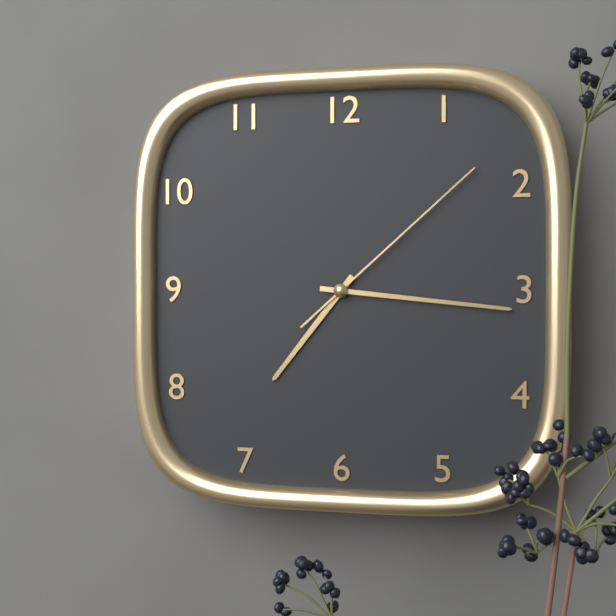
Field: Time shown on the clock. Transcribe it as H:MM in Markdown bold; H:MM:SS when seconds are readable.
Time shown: **7:16:08**
